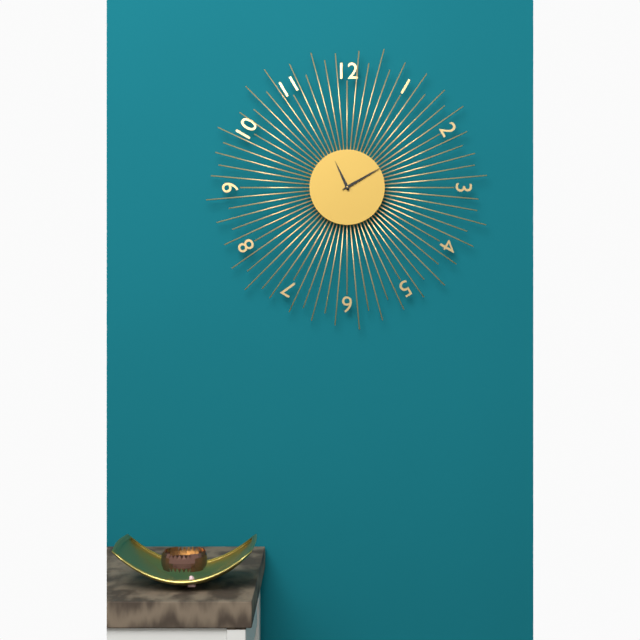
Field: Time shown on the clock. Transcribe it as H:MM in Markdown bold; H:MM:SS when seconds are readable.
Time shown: **11:10**
